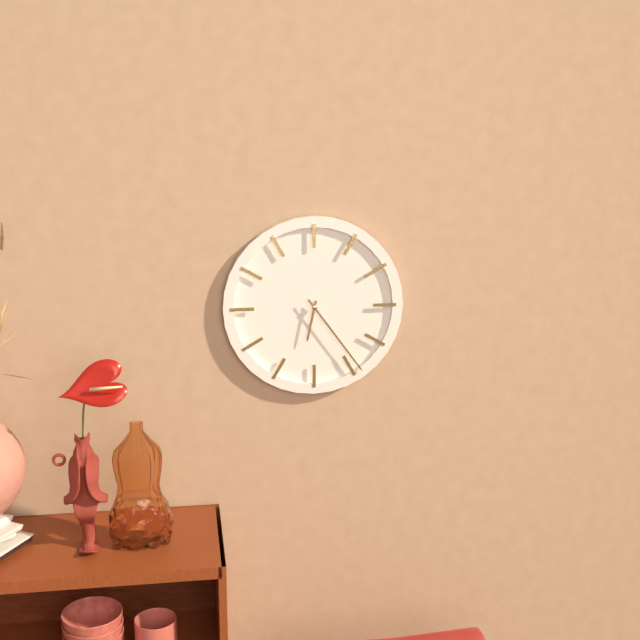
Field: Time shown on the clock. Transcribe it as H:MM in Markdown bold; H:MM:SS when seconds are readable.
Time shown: **6:24**
